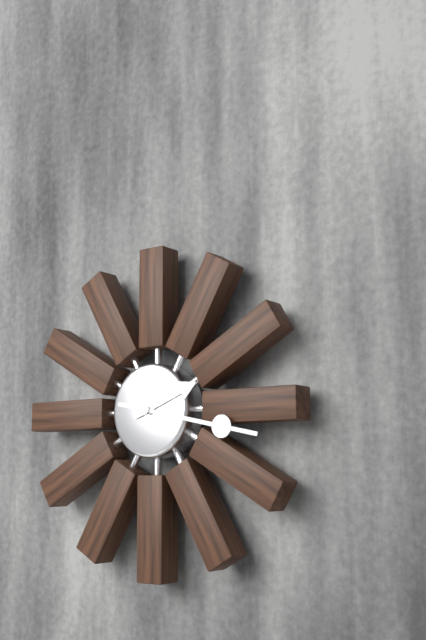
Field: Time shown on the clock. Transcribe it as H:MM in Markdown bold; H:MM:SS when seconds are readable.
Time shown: **2:17**
